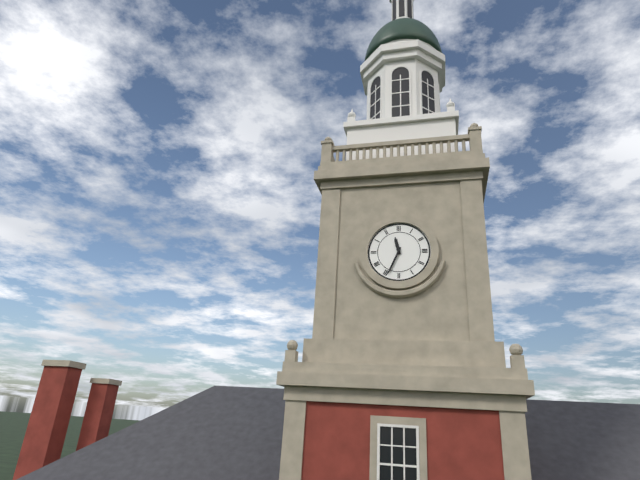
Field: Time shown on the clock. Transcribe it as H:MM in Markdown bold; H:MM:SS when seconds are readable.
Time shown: **11:34**
